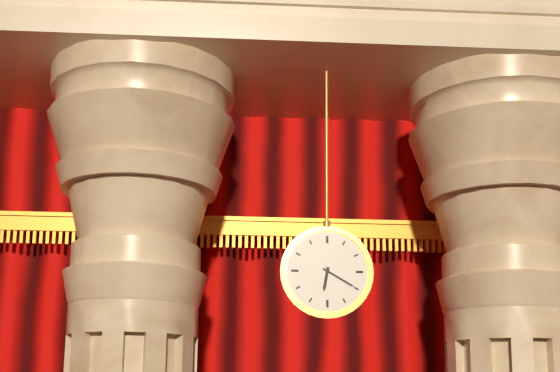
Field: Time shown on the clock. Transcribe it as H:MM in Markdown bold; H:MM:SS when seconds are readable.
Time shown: **6:20**
